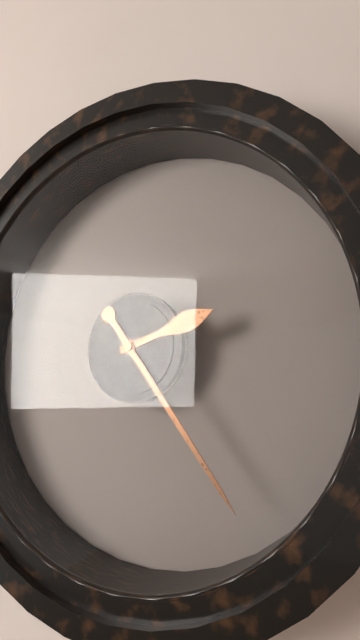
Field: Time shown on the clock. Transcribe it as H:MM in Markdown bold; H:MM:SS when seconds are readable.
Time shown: **2:24**
